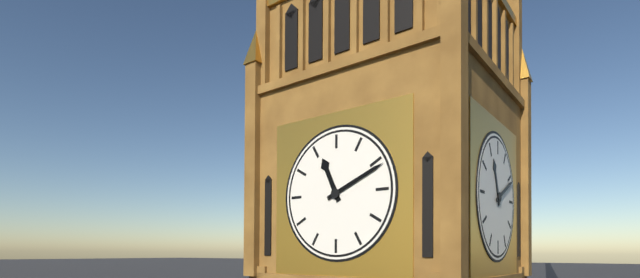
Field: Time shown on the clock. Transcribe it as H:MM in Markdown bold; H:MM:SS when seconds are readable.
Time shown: **11:11**
